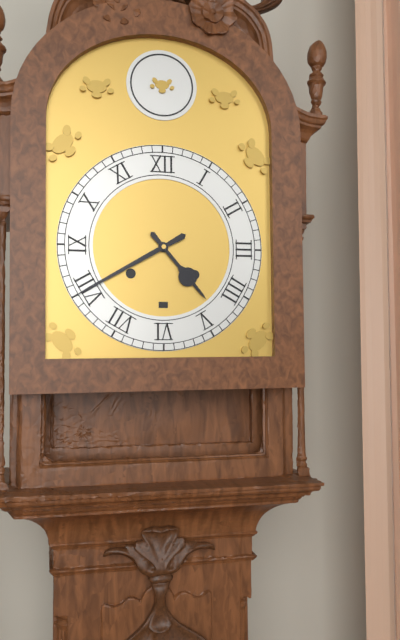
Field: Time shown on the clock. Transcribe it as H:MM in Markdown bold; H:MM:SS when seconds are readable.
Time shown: **4:40**
